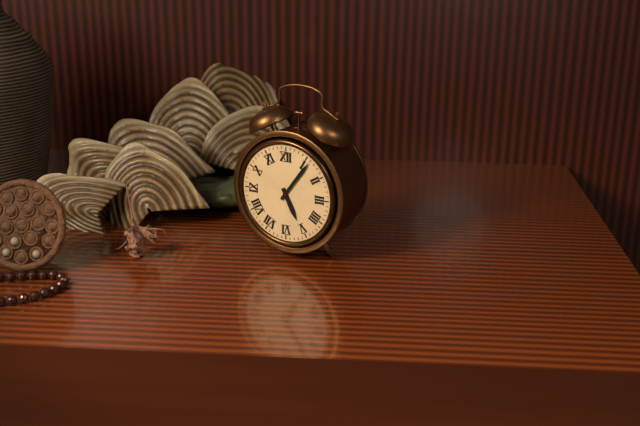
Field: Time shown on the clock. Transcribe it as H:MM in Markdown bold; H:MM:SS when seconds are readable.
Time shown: **5:06**
